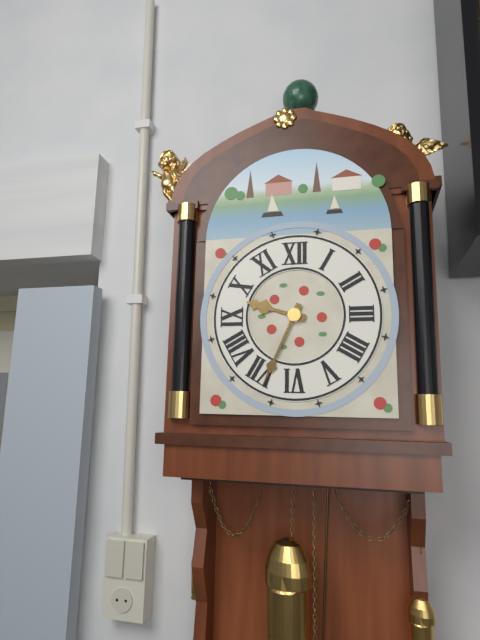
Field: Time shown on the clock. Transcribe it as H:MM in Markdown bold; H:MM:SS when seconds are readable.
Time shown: **9:34**
